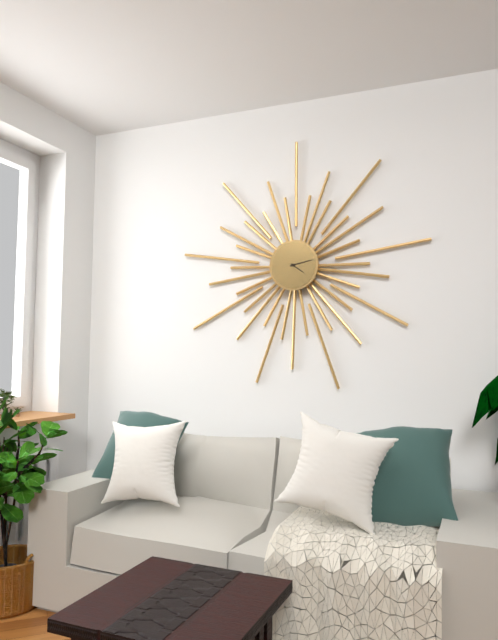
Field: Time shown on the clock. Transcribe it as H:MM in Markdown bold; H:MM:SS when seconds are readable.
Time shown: **4:13**
